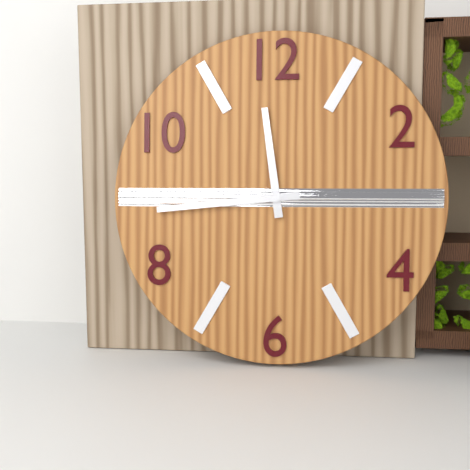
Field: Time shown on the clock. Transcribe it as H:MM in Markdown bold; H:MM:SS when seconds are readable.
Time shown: **11:44**
